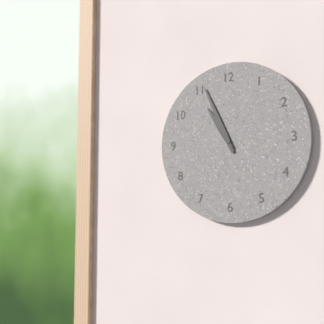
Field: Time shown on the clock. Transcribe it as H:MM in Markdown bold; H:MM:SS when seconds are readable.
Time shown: **10:56**
